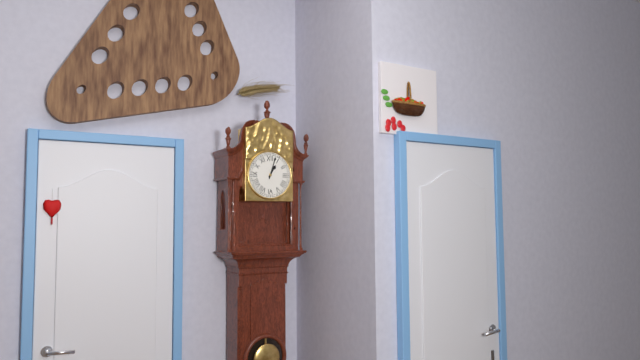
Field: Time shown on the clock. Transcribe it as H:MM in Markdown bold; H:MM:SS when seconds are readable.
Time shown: **1:03**
